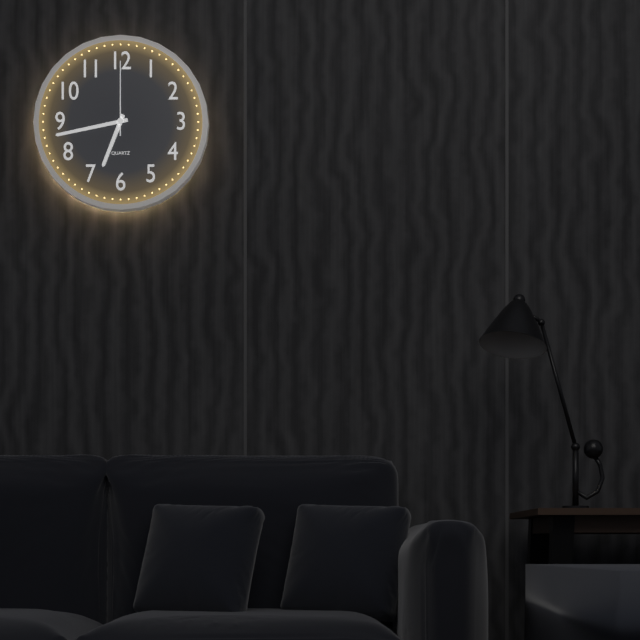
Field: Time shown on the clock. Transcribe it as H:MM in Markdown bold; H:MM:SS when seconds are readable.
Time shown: **6:43:00**
